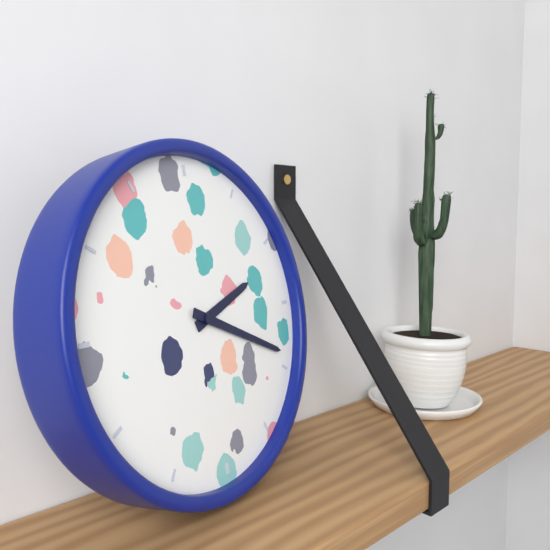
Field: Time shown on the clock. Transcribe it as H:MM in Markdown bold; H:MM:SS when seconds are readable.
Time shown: **2:19**
